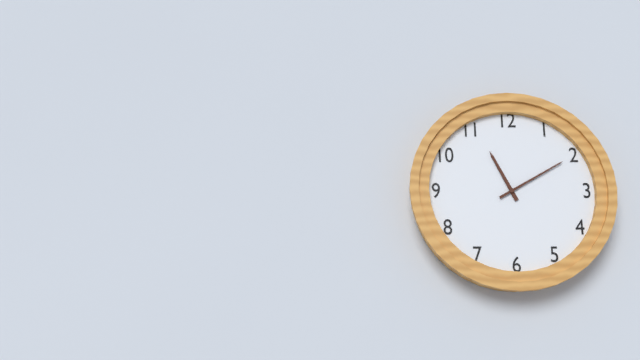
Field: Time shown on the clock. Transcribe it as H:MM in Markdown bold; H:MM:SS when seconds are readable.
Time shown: **11:10**
